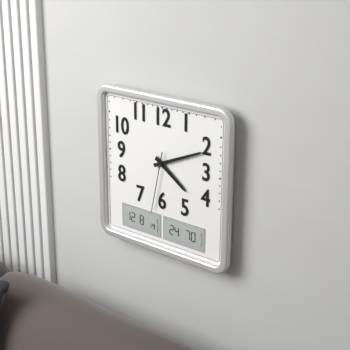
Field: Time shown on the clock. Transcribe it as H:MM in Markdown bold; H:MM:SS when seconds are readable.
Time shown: **4:11:32**
